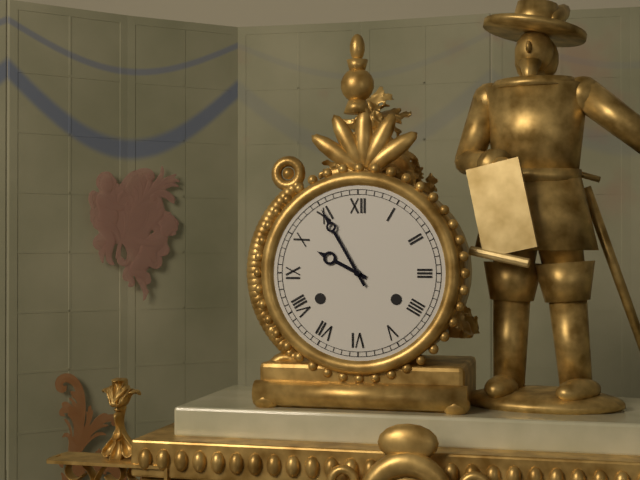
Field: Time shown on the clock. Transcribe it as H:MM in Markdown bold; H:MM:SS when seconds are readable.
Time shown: **9:55**
